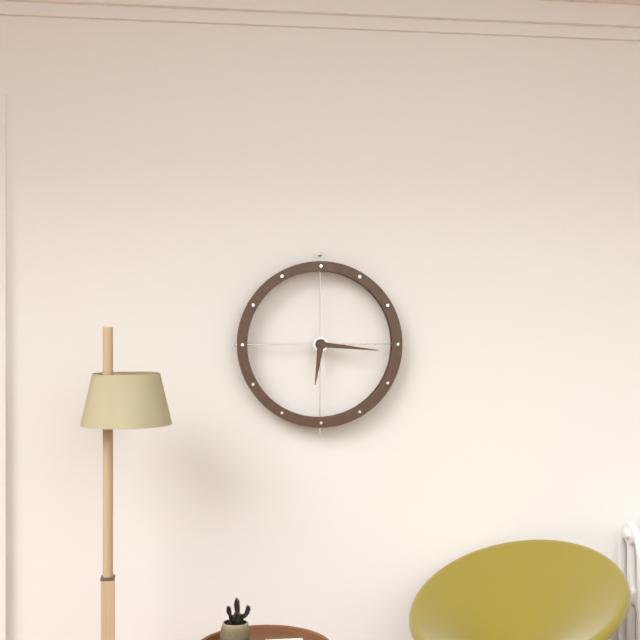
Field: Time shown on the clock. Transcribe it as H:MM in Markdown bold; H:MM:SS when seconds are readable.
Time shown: **6:16**
